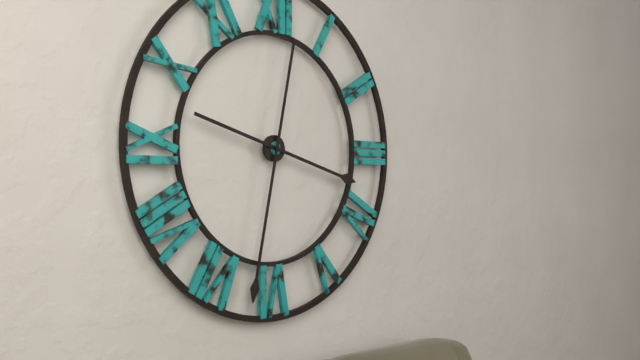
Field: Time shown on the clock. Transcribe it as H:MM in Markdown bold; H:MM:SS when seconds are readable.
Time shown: **3:32**
